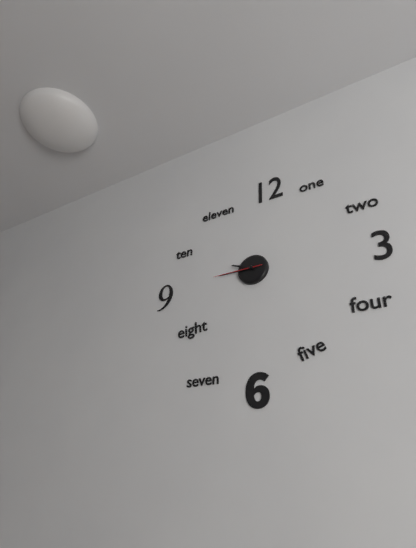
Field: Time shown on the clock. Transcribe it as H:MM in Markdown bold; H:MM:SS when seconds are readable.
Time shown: **9:45:45**
